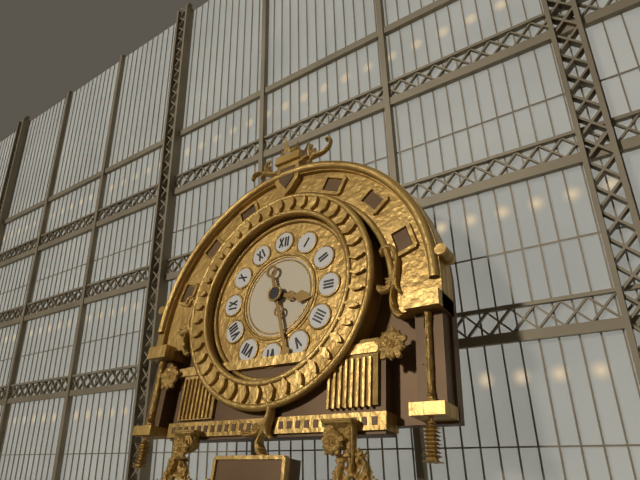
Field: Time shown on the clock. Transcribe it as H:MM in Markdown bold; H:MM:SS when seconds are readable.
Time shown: **3:27**
